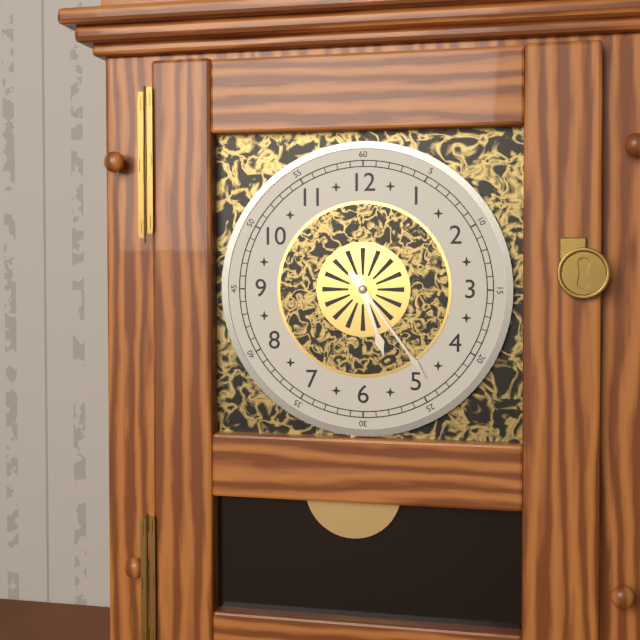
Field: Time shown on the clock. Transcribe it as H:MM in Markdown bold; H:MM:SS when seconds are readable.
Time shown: **5:24**
